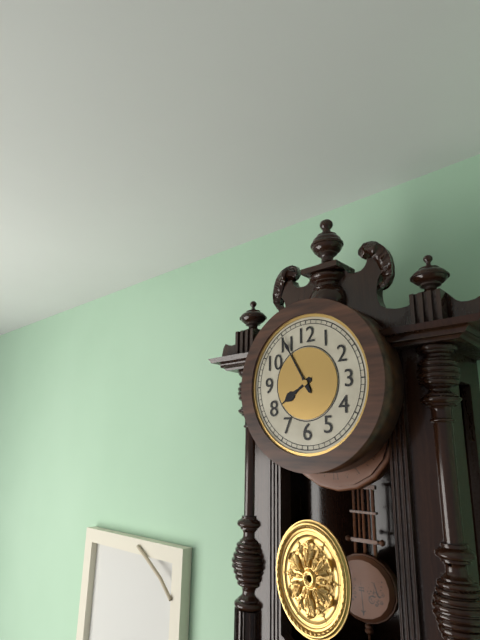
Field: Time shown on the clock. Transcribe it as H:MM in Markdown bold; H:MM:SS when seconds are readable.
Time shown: **7:55**
